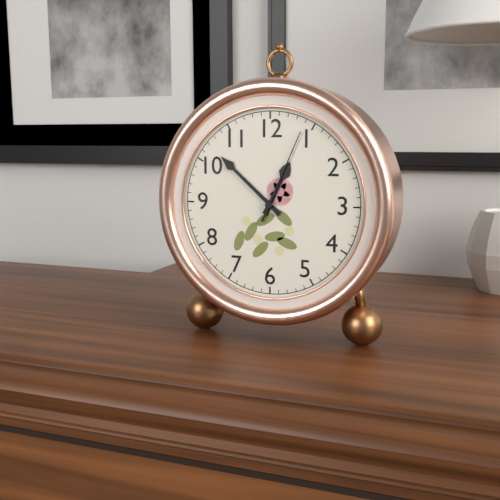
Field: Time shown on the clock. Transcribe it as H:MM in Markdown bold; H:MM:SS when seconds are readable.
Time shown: **12:52:04**
